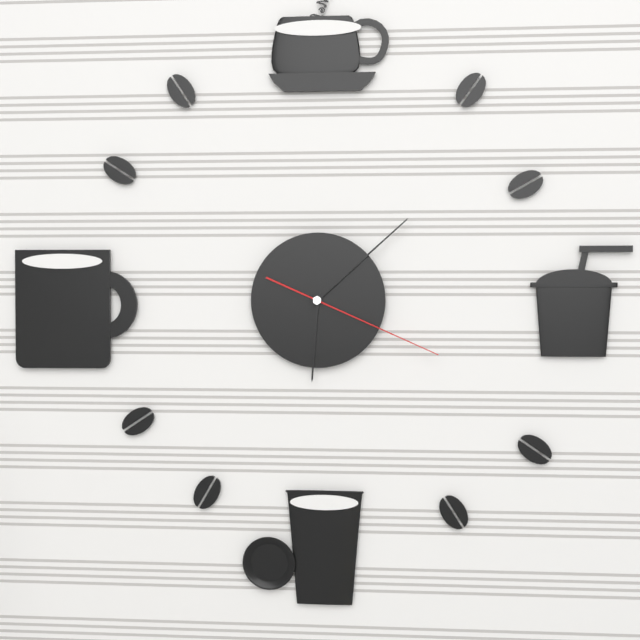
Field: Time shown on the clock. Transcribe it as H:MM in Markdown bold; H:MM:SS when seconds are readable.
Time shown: **6:08:19**
